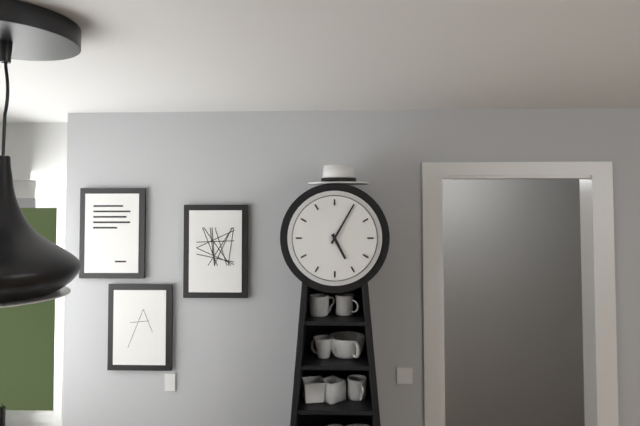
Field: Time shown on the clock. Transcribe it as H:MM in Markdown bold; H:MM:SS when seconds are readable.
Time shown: **5:05**
